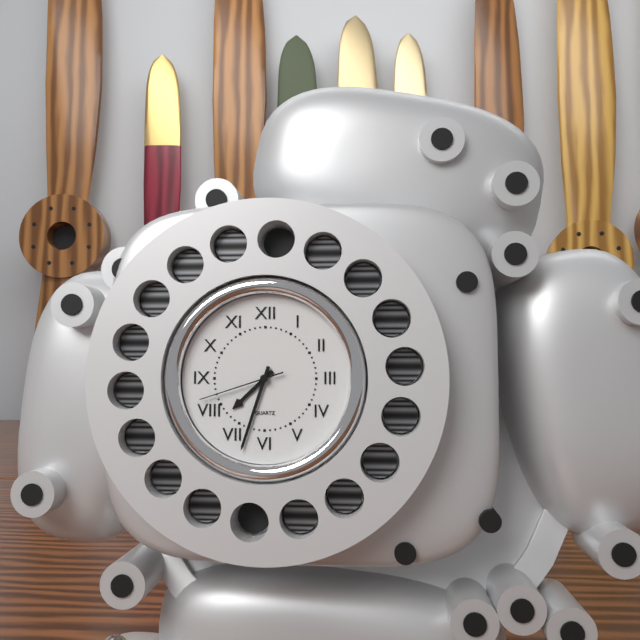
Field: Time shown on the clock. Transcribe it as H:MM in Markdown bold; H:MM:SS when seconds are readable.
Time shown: **7:33:42**
